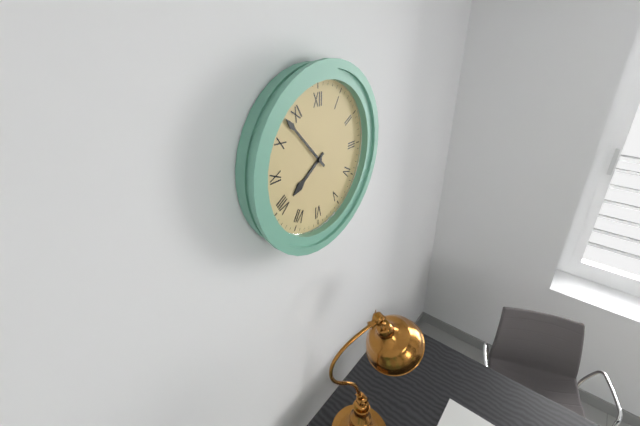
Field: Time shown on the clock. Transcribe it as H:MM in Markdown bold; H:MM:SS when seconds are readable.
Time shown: **7:53**
